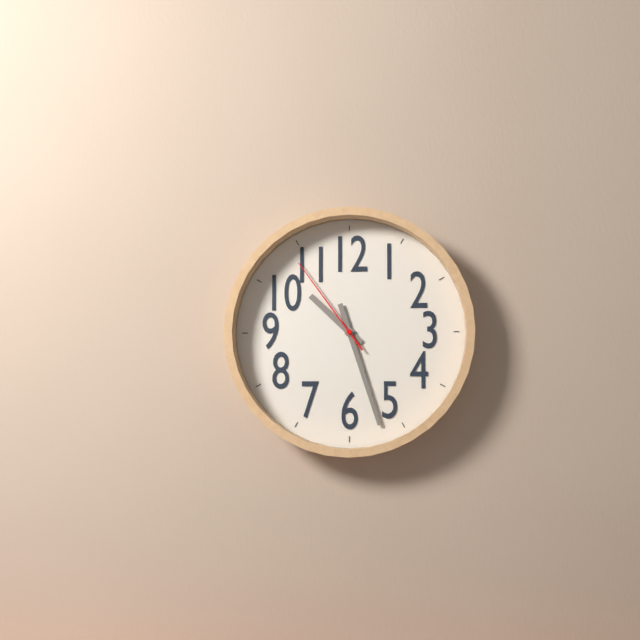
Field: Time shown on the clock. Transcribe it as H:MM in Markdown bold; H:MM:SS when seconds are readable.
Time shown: **10:27:54**
